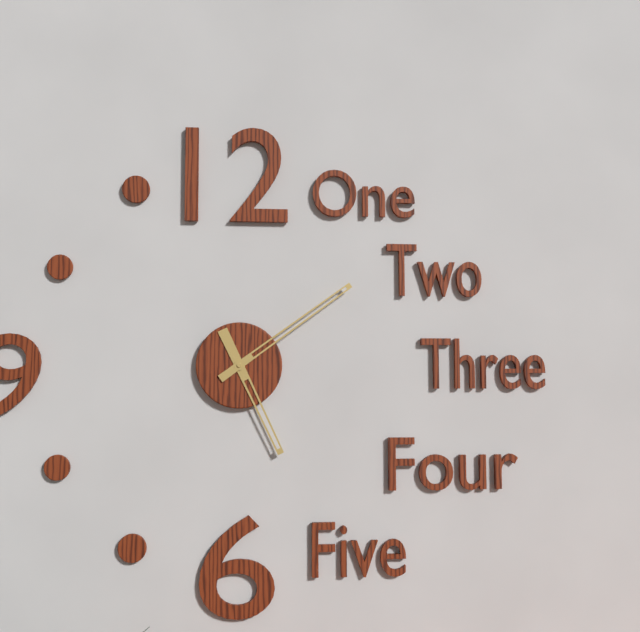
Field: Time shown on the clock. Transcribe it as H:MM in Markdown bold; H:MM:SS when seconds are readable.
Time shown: **5:09**
